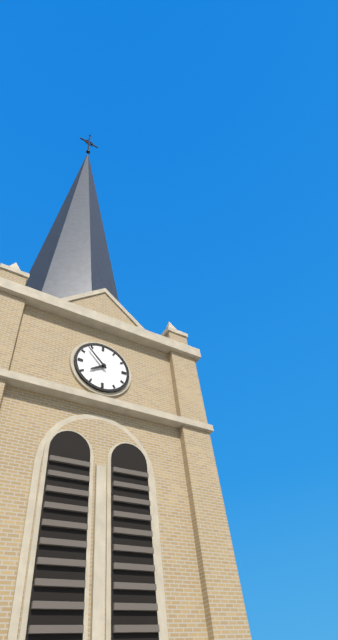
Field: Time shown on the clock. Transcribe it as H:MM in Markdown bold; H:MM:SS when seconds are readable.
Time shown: **7:53**
